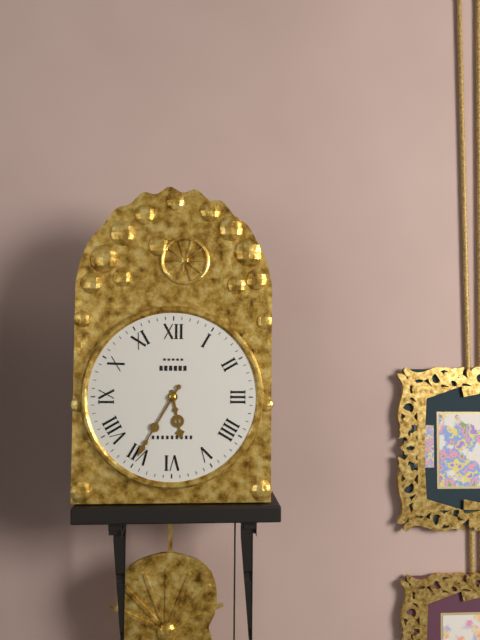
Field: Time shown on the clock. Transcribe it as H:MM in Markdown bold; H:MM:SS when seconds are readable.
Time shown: **5:35**
